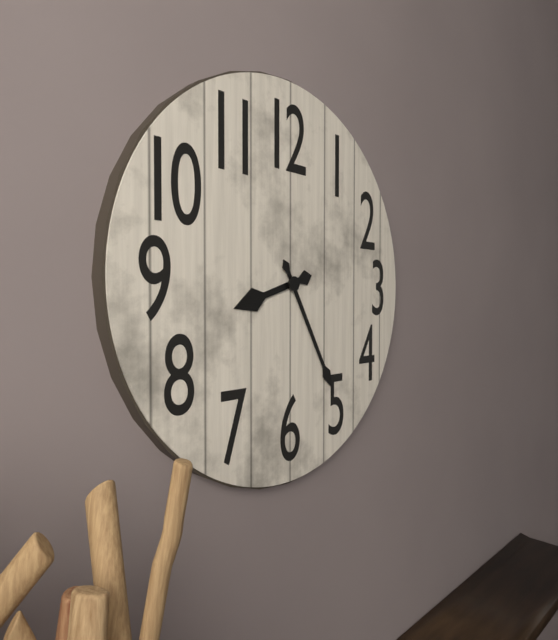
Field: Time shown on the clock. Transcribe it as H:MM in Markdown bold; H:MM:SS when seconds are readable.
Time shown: **8:25**
